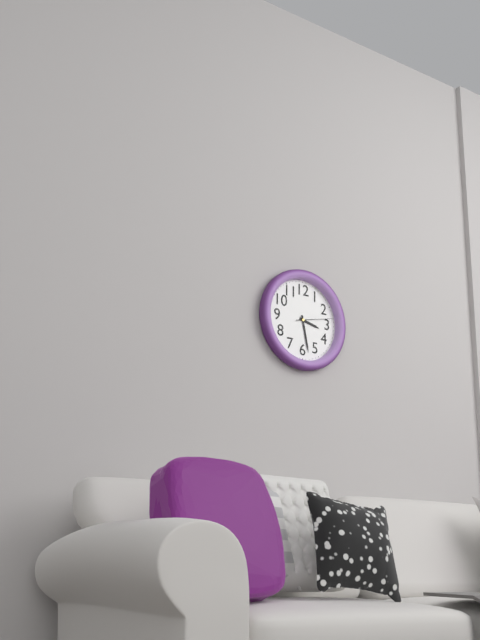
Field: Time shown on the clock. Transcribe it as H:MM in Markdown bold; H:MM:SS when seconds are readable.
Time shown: **3:28**
